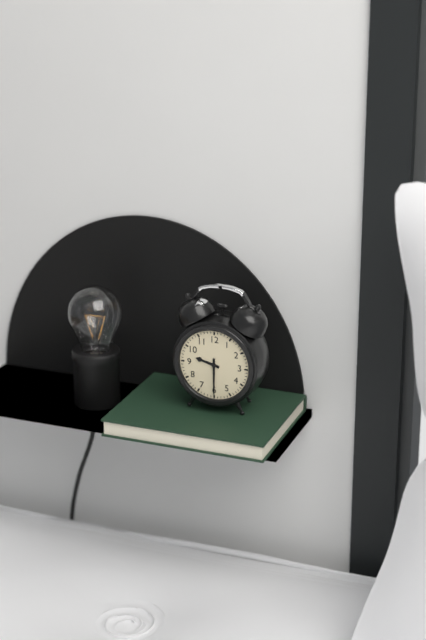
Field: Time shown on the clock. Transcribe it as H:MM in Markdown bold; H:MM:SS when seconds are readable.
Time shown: **9:30**
